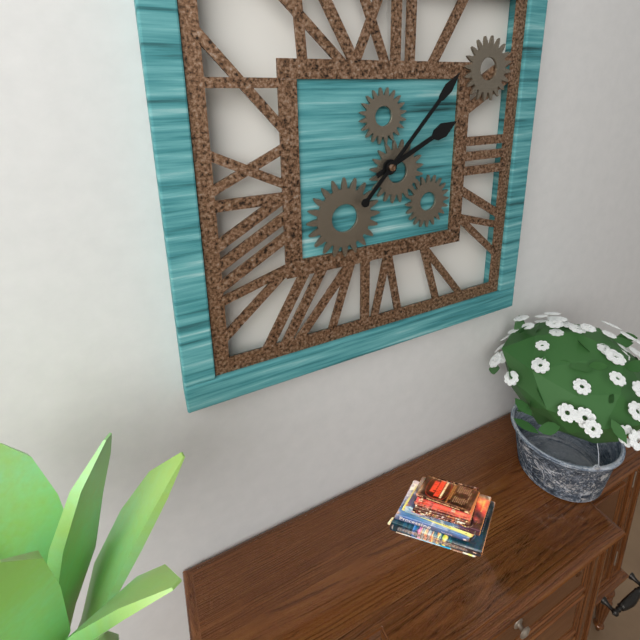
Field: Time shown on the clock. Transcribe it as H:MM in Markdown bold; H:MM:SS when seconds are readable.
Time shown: **2:07**
